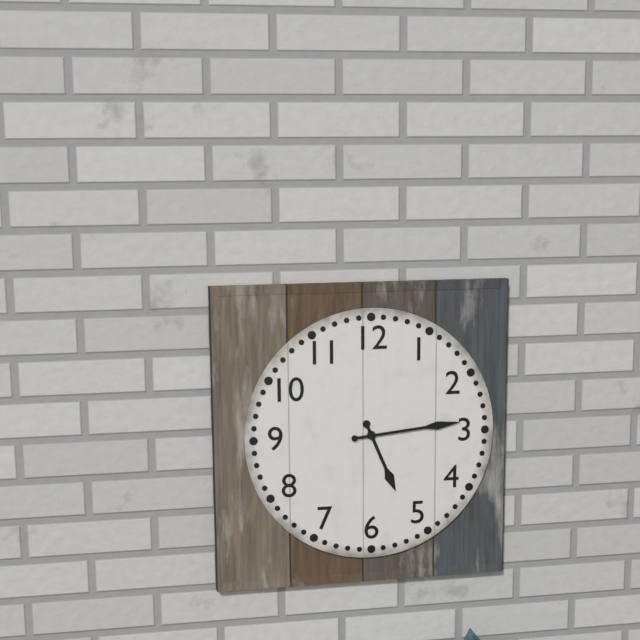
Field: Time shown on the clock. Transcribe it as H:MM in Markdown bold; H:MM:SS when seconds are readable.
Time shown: **5:14**
